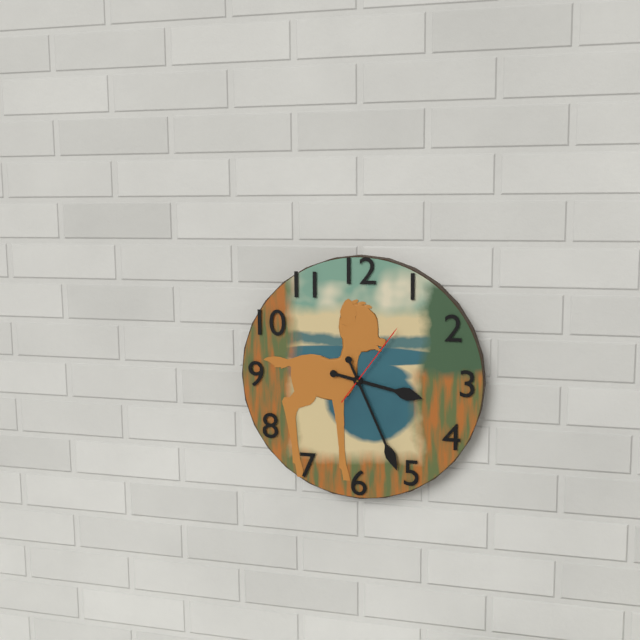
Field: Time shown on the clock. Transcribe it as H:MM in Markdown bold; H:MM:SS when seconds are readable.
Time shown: **3:26:06**
